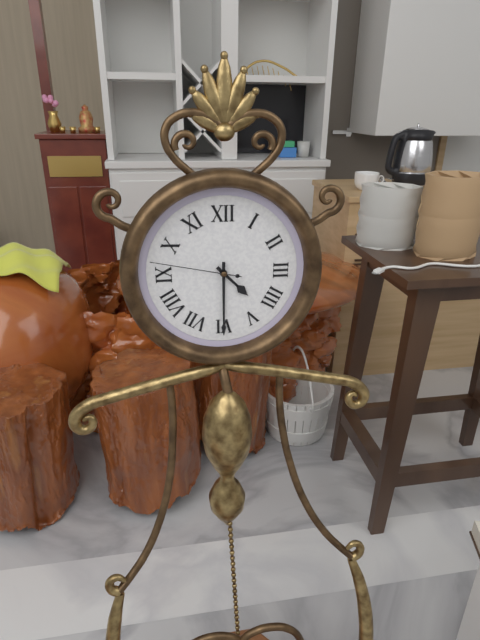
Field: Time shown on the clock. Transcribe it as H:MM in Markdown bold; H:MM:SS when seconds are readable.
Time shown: **4:30:47**
